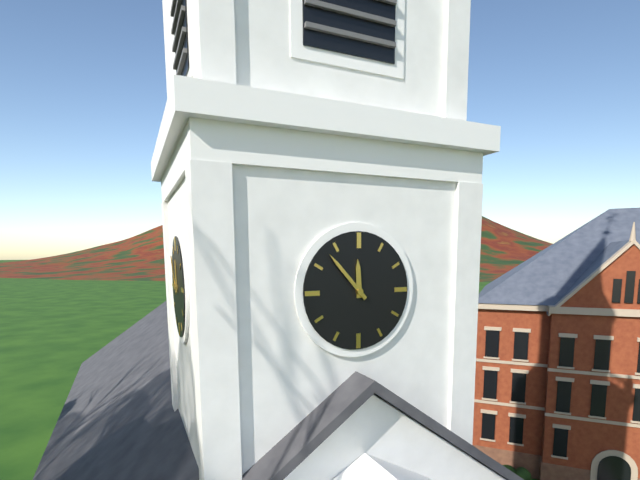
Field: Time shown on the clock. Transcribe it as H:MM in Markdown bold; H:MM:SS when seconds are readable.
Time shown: **11:53**
